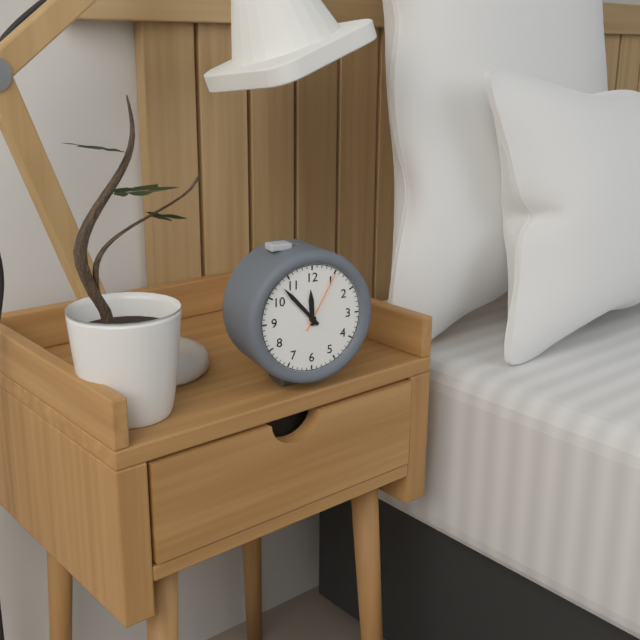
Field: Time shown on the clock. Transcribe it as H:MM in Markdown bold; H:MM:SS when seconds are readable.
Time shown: **11:53:05**
